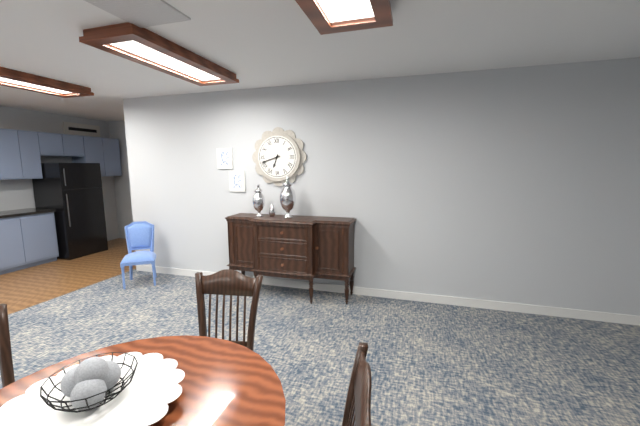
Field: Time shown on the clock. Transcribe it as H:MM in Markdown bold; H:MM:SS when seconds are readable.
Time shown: **6:42**
